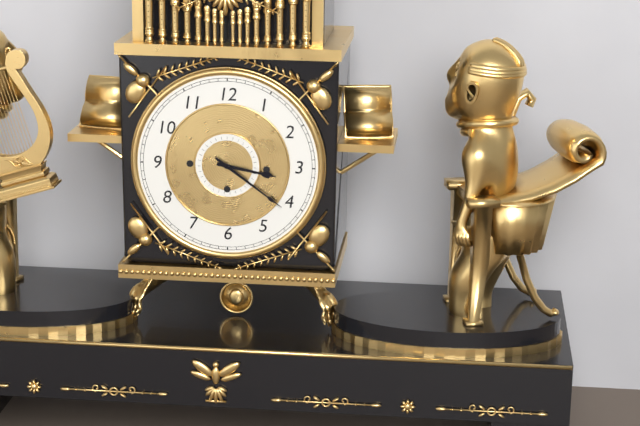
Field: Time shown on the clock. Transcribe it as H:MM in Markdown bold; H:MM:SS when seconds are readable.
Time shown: **3:21**
